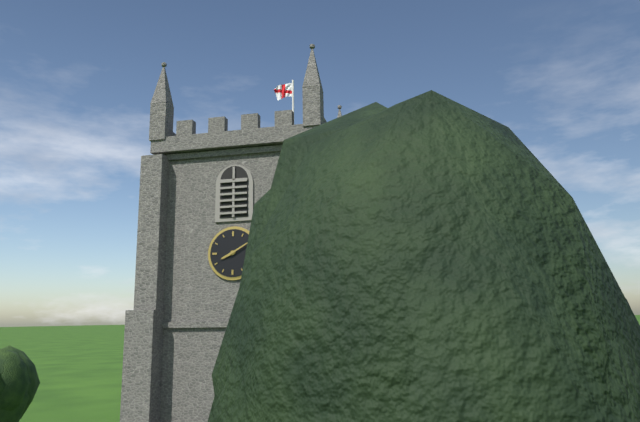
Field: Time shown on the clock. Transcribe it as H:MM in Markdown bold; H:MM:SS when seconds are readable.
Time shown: **8:10**
